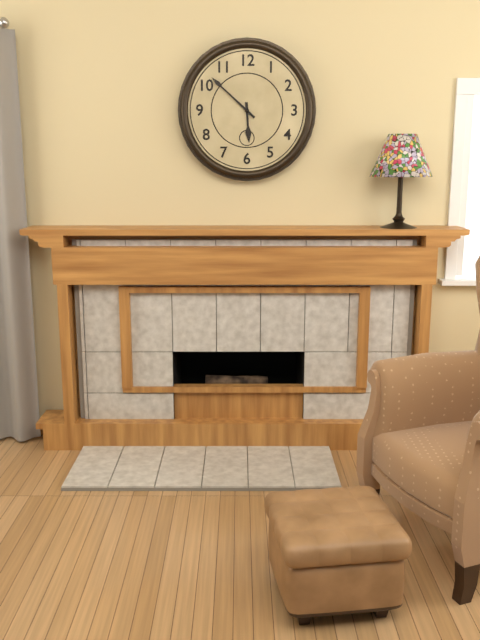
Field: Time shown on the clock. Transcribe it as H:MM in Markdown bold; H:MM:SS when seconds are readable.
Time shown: **5:52**
